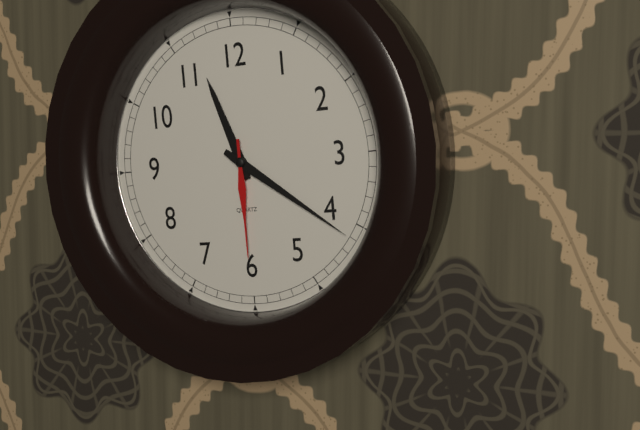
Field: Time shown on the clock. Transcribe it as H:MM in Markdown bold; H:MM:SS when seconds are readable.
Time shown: **11:21:30**
